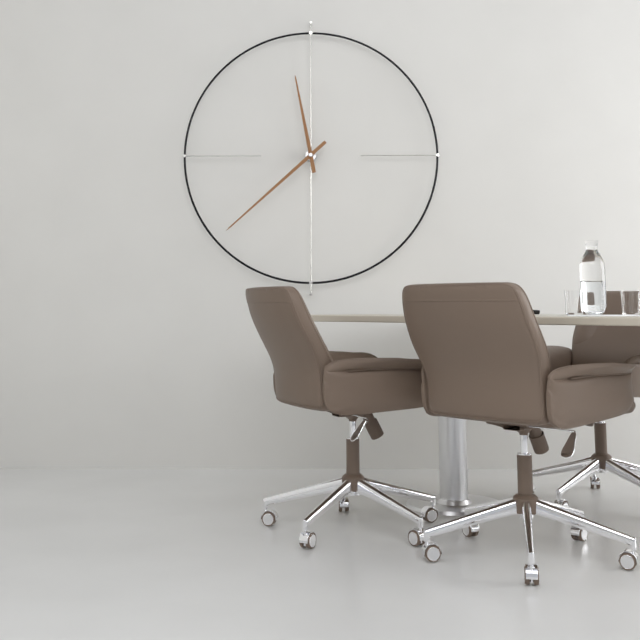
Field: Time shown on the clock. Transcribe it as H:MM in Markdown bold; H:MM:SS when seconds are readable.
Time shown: **11:38**
